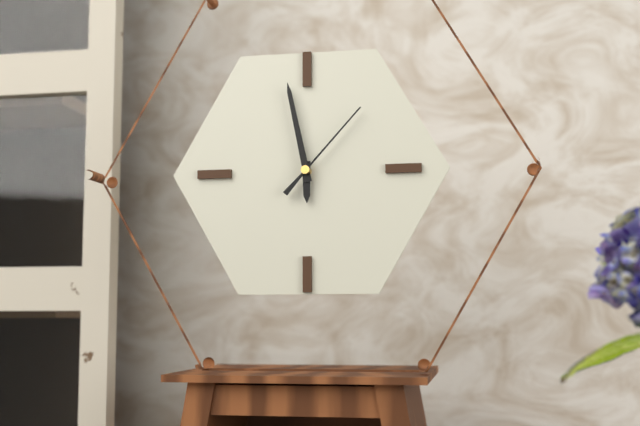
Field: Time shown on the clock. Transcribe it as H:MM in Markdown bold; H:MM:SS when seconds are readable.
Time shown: **5:58:07**
